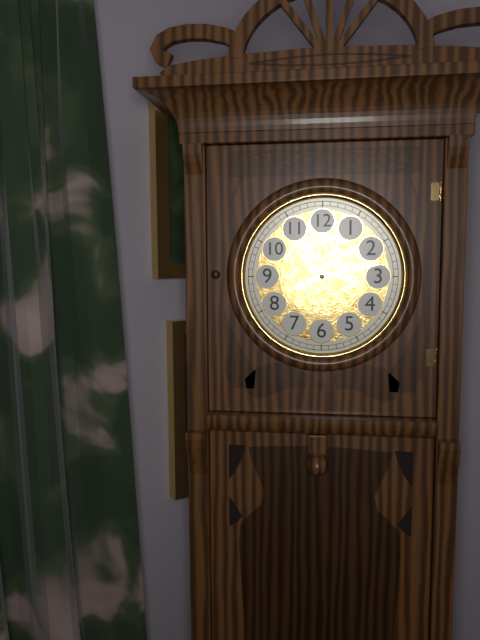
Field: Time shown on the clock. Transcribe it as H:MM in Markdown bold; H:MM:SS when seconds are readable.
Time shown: **8:13**
